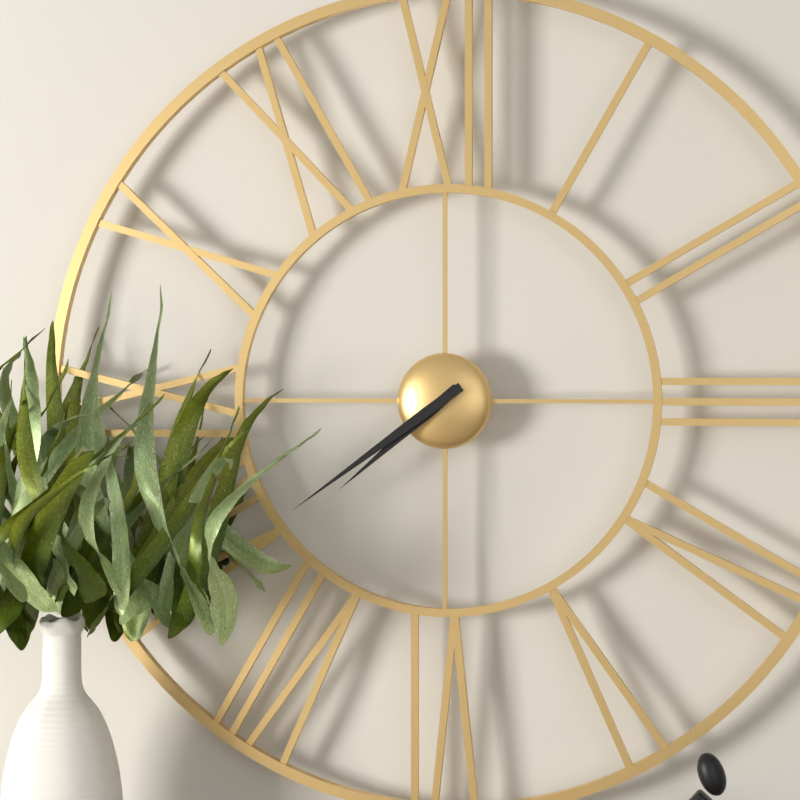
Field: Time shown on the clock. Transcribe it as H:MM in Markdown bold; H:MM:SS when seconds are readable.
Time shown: **7:39**
